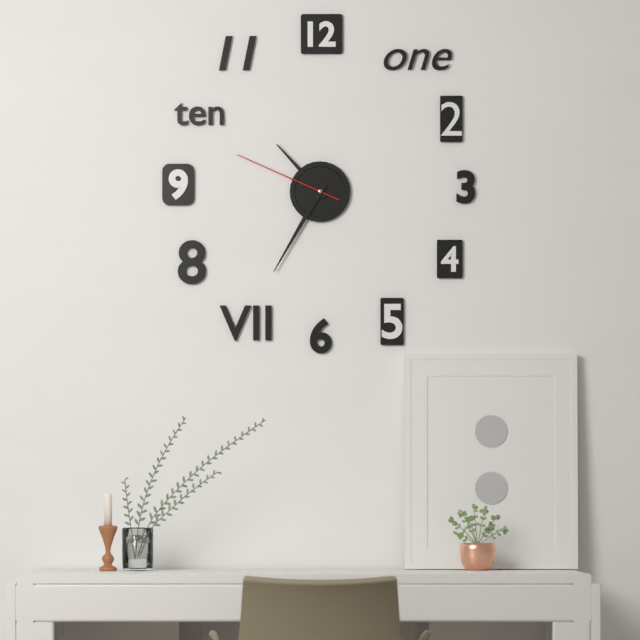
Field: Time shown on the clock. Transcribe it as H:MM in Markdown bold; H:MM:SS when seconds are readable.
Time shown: **10:35:49**
